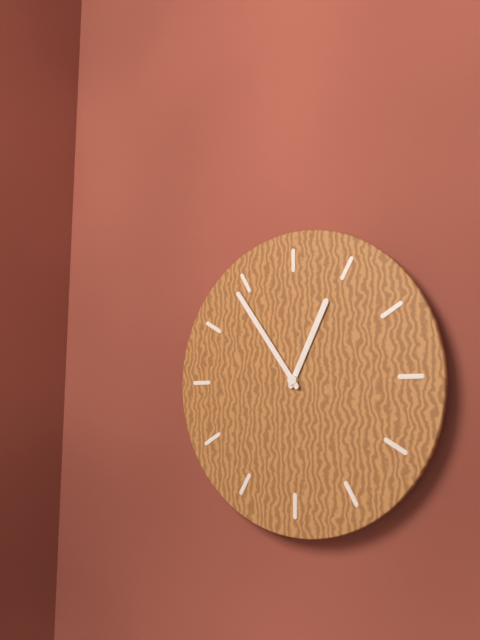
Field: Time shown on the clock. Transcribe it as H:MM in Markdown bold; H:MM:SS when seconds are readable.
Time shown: **12:54**
